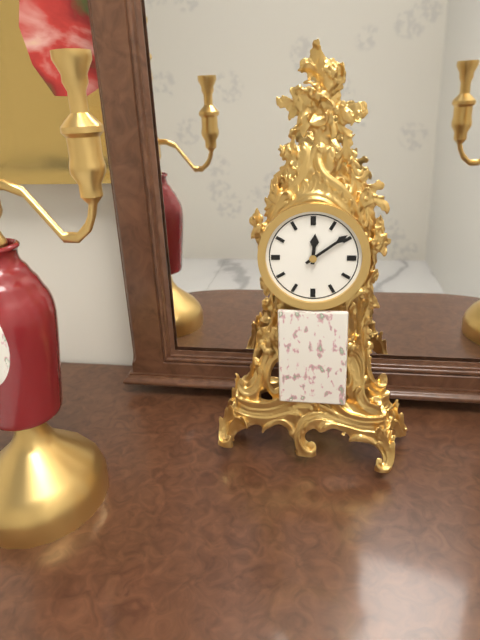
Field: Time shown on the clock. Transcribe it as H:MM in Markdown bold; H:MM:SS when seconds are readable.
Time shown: **12:09**
